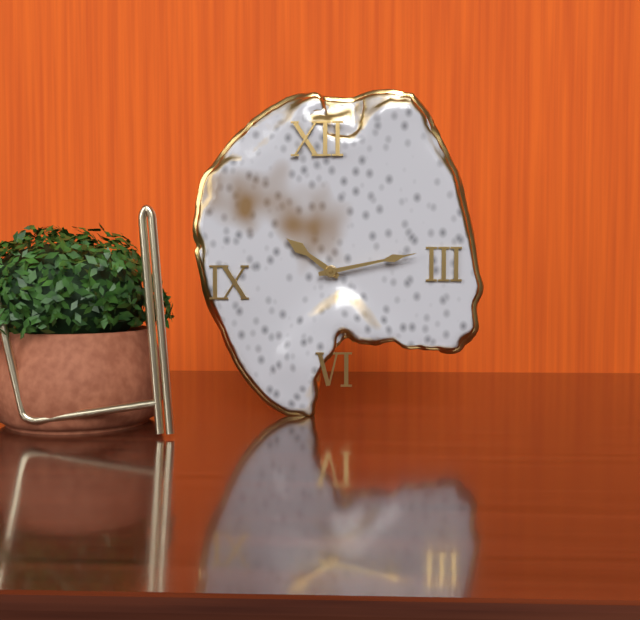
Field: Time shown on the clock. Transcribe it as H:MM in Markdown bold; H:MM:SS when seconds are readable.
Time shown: **10:13**
